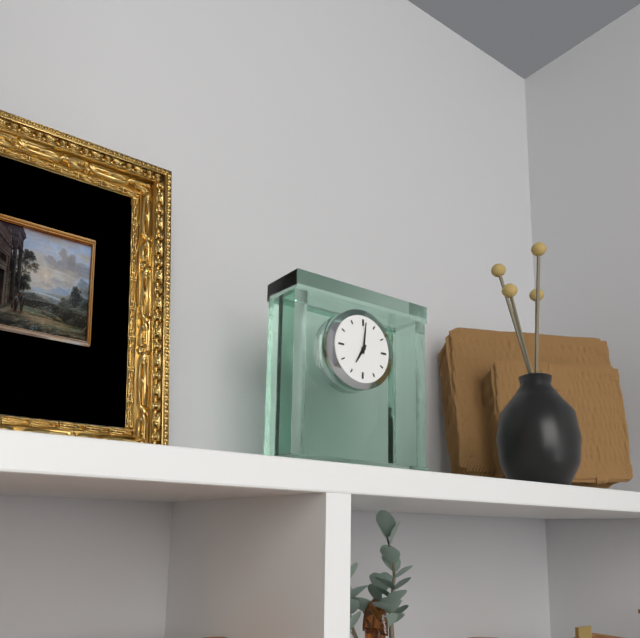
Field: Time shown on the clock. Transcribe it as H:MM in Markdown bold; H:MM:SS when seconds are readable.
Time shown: **7:01**
